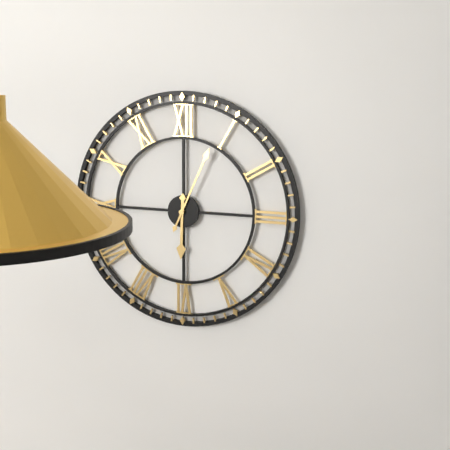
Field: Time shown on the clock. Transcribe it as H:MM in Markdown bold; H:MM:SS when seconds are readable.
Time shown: **6:04**
